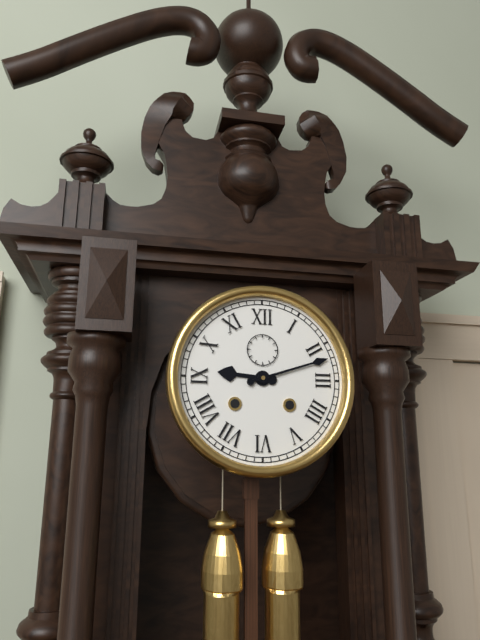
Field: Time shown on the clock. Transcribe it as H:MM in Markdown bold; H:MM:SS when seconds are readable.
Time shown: **9:12**
